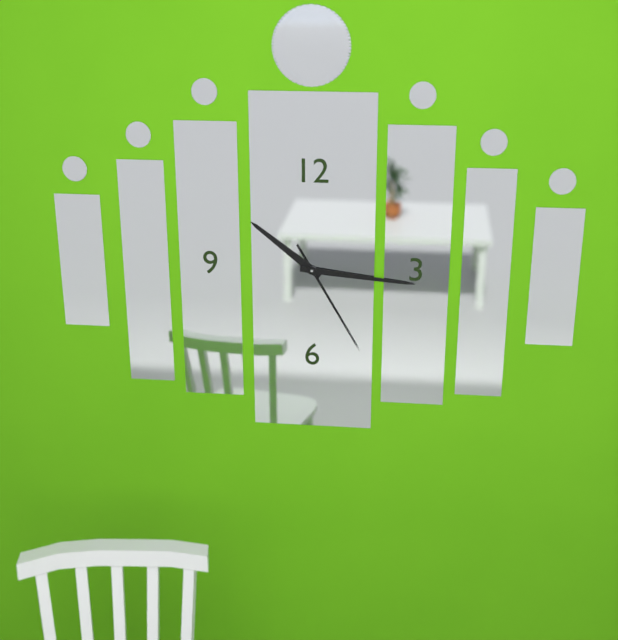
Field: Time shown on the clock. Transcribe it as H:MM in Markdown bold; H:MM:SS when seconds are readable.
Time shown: **10:16:25**
